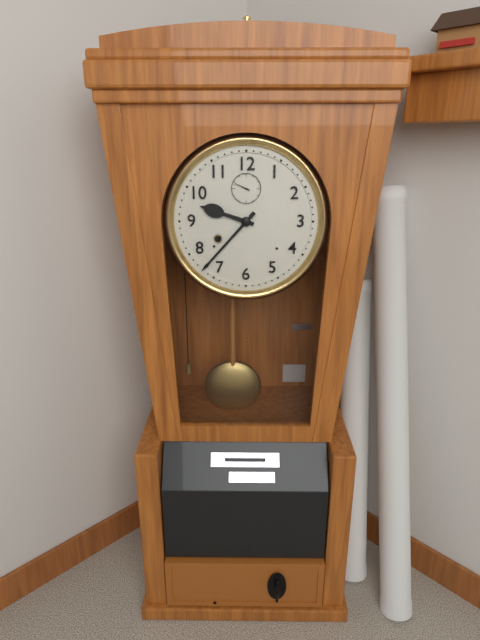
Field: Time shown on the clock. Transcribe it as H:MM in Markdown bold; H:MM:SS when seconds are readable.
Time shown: **9:37**
